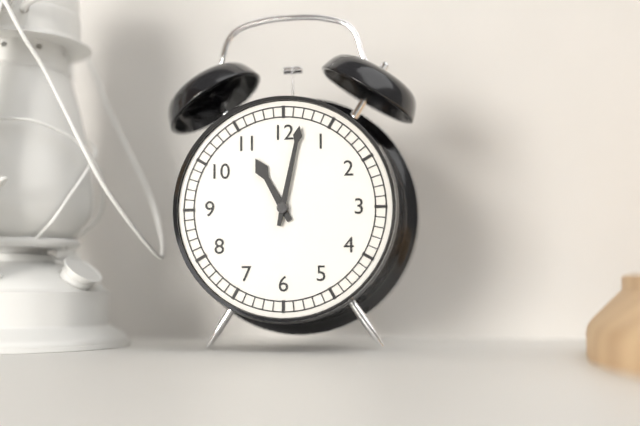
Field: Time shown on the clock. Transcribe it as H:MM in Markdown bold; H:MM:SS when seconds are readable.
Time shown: **11:02**
